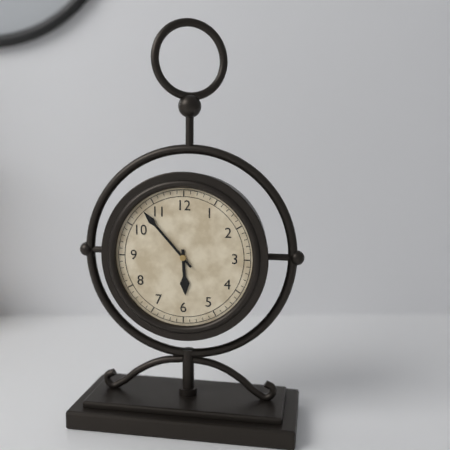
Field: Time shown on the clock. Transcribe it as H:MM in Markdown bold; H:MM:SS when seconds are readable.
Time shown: **5:53**
